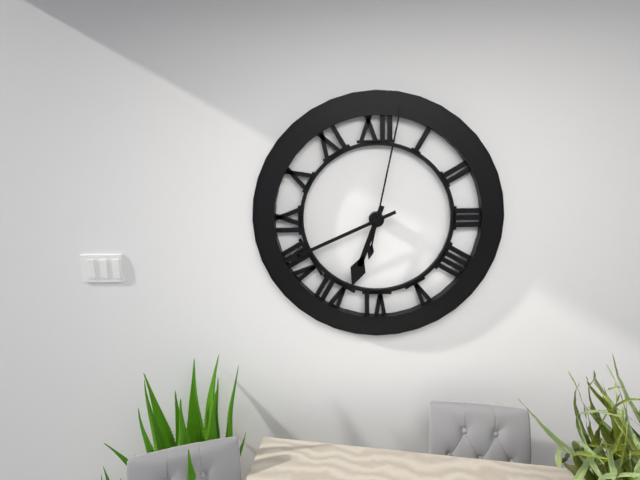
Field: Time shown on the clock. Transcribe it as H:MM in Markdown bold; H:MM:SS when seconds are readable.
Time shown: **6:41:02**
